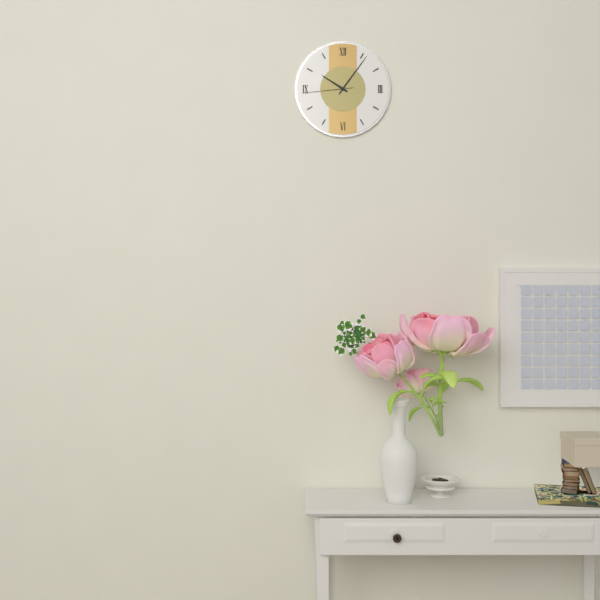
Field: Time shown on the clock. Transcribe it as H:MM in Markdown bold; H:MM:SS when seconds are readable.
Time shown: **10:06:44**
